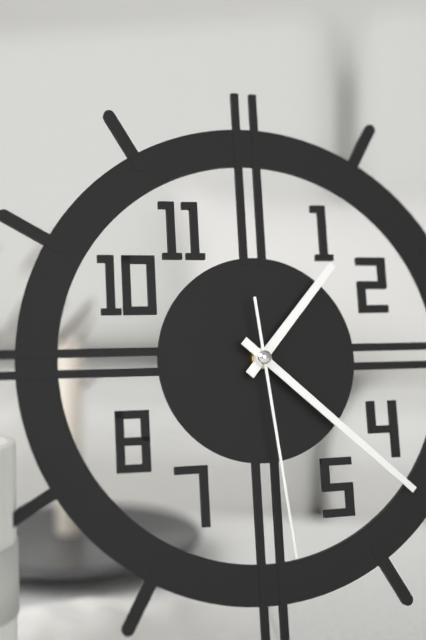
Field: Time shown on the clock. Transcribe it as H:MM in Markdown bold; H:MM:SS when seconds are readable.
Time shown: **1:22:29**
